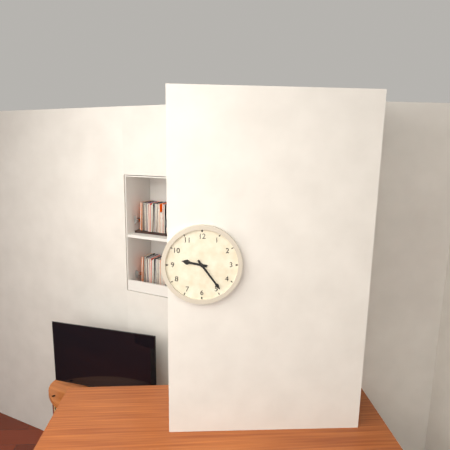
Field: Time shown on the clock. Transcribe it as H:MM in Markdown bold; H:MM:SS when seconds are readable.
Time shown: **9:24**
